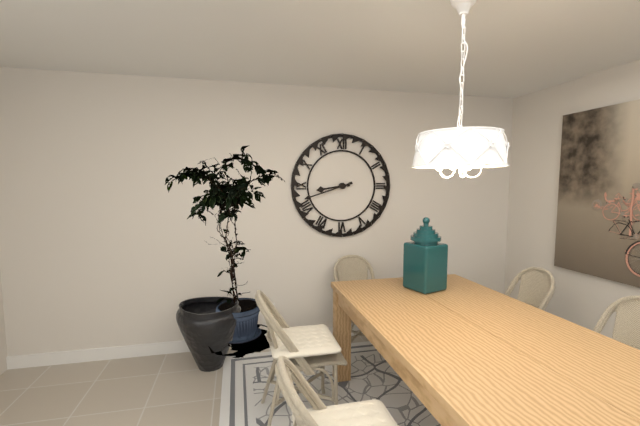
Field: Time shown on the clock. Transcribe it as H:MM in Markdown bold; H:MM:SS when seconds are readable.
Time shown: **8:42**
